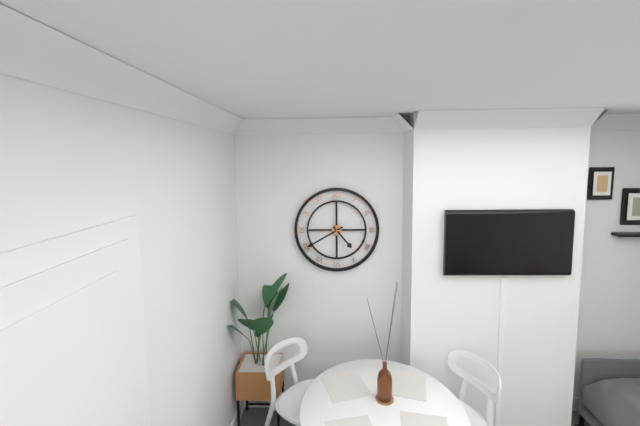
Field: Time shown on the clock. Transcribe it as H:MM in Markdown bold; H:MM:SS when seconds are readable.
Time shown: **4:40**
